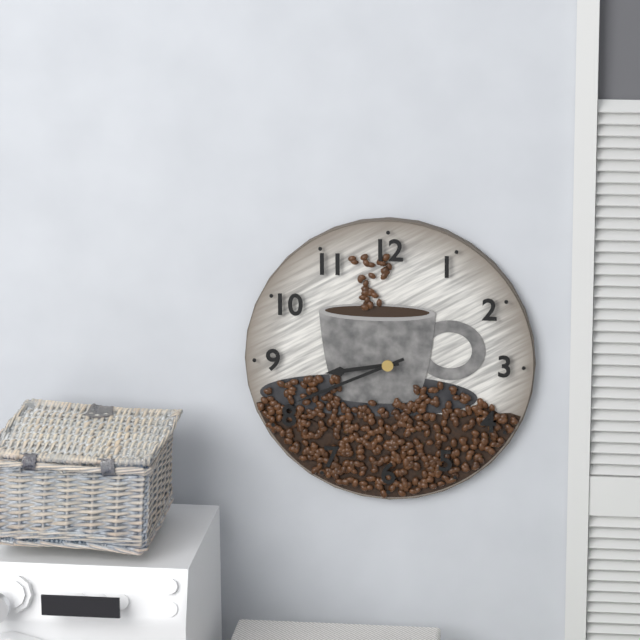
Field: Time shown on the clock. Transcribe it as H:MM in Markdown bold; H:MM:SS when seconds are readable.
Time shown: **8:41**
